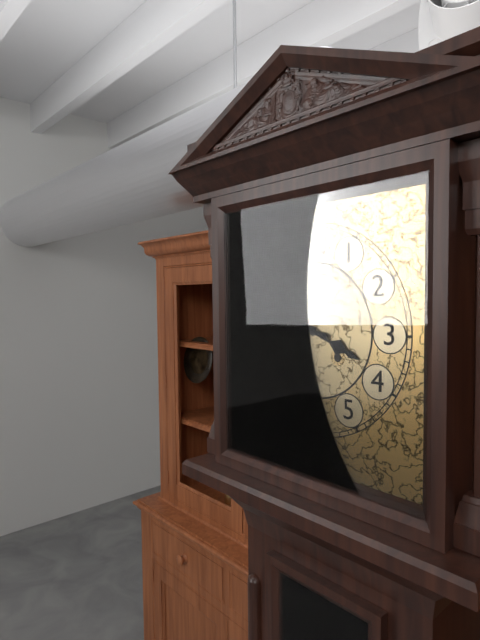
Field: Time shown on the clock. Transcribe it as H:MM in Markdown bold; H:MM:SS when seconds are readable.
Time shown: **3:47**
